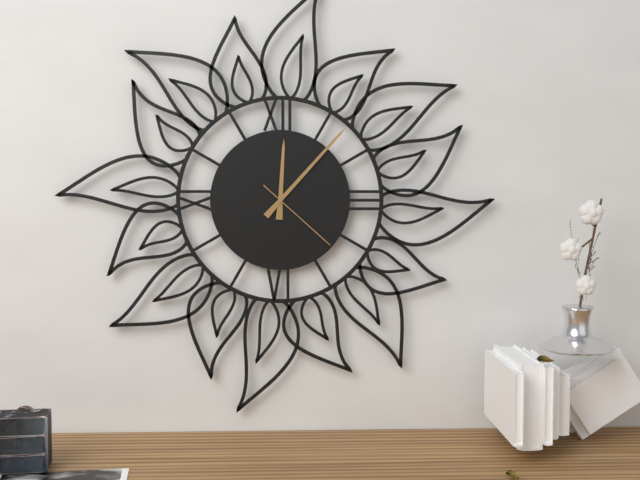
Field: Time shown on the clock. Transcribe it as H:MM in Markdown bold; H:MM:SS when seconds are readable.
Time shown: **12:07:22**
